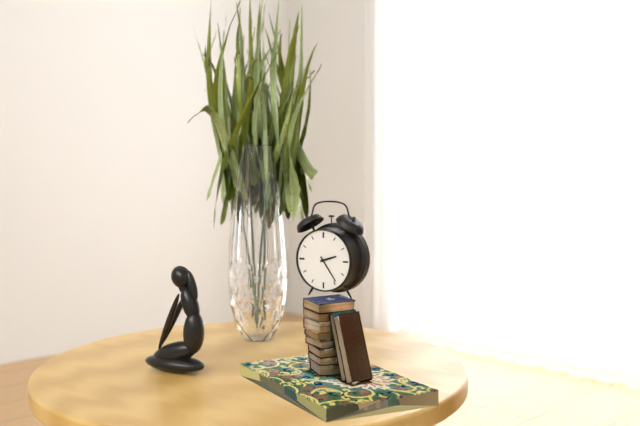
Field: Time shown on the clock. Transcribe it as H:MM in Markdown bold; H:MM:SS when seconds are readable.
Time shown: **2:24**
